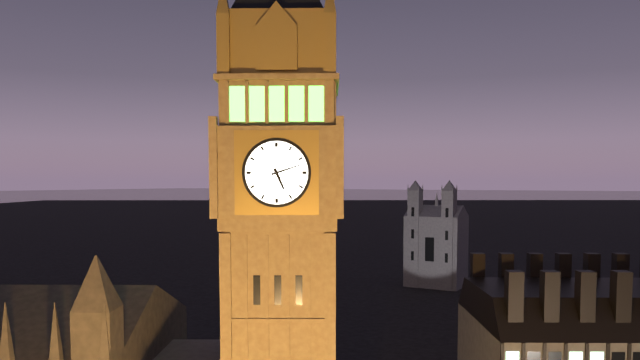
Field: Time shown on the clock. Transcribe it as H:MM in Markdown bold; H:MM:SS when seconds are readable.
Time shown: **5:12**
